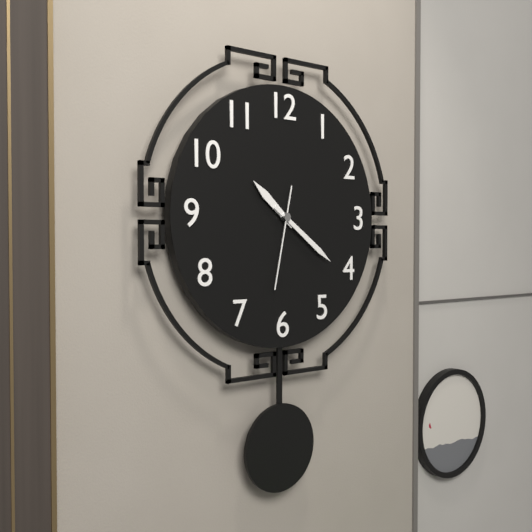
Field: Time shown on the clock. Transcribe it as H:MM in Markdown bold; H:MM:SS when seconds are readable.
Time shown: **10:21:32**
